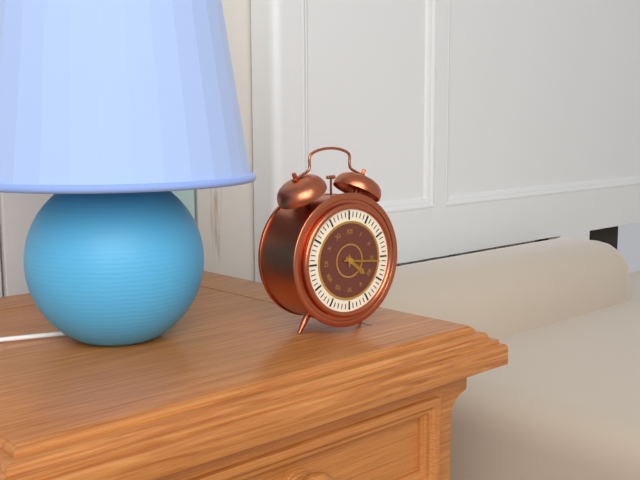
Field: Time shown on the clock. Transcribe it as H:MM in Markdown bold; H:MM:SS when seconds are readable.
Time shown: **4:16**
